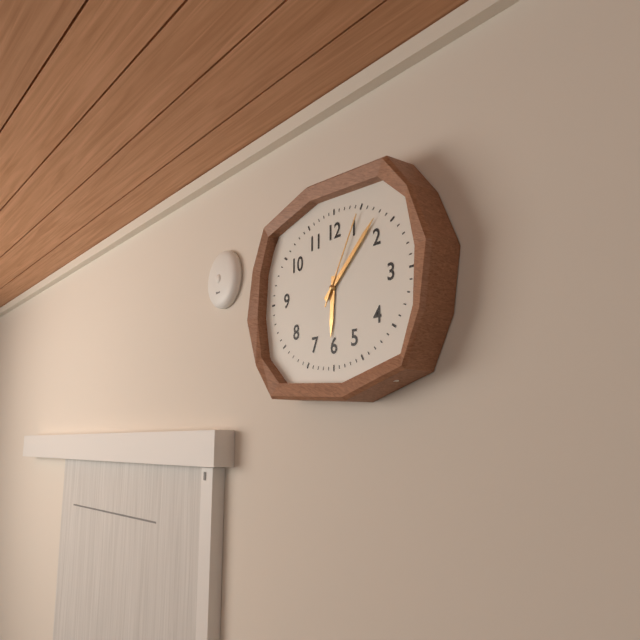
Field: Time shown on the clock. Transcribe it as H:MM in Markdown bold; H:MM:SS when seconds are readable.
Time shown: **6:08:05**
